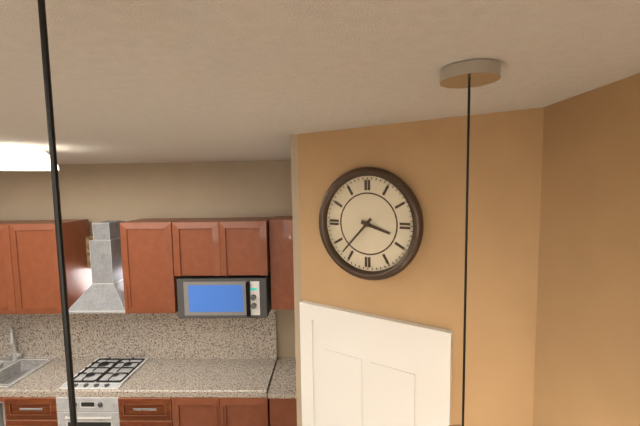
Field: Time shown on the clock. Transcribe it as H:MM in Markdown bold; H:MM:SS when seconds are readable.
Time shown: **3:37**
